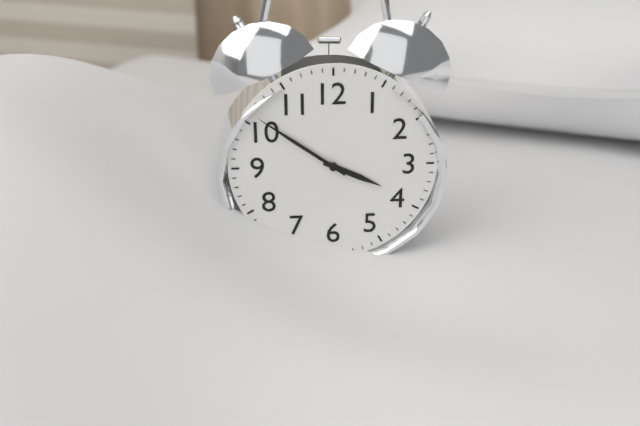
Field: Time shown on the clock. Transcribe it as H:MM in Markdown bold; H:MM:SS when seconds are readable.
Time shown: **3:51**
